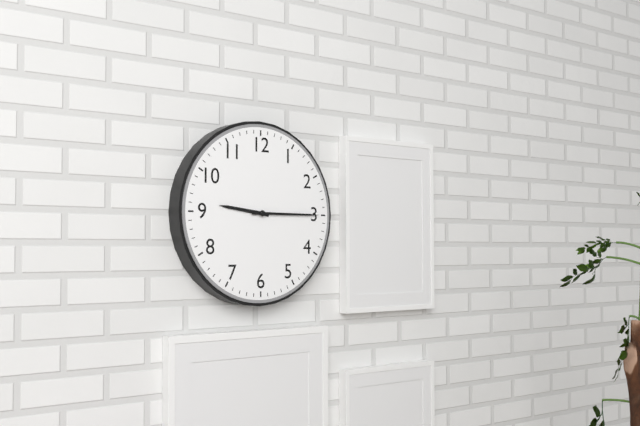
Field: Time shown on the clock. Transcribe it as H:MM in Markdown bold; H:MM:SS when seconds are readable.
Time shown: **9:15**
